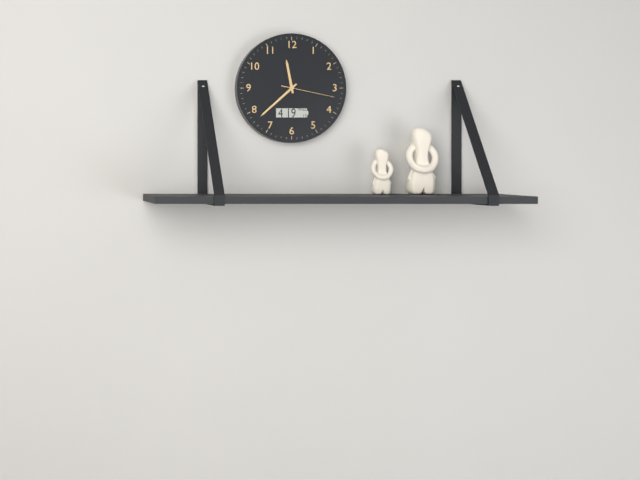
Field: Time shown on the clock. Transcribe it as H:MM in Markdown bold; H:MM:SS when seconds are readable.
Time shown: **11:38:17**
